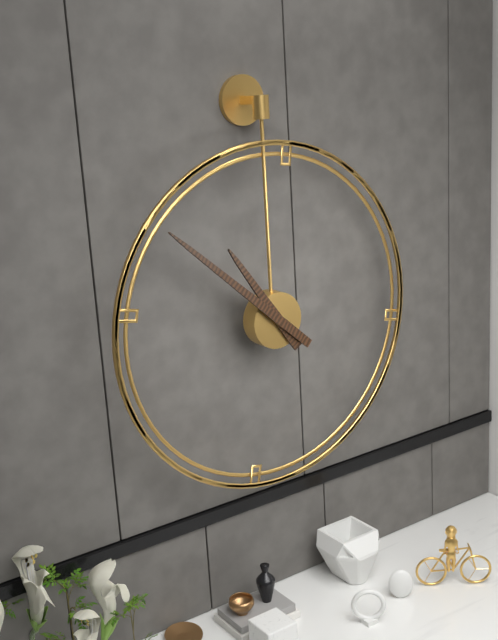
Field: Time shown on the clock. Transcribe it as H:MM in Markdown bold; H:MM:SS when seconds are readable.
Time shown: **10:52**
